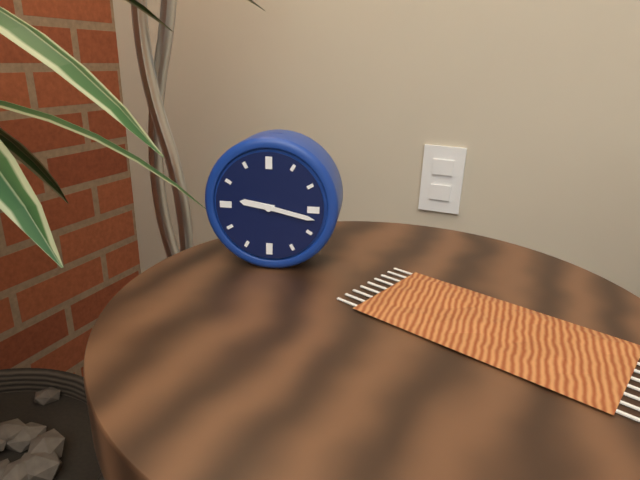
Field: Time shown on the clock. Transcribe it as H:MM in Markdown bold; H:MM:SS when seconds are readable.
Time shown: **9:17**
